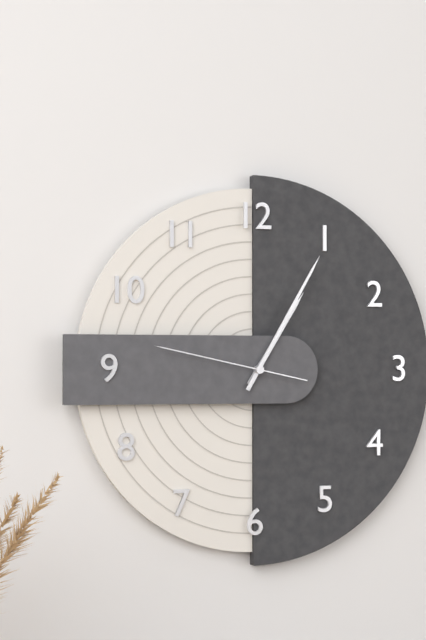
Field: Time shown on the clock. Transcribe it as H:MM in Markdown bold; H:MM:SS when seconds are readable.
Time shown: **1:05:47**
